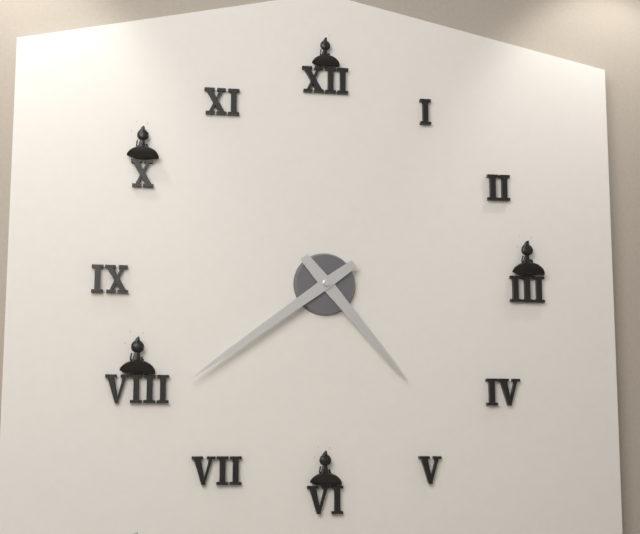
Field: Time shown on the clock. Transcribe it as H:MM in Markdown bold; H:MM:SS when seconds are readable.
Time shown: **4:39**
